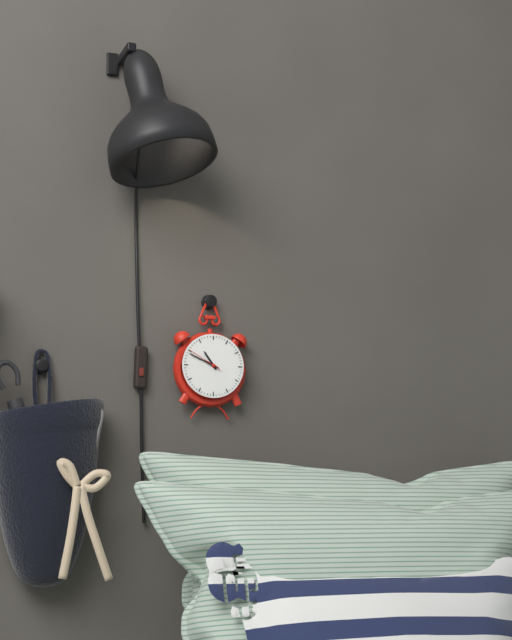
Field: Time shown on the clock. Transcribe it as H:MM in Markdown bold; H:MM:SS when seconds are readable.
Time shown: **10:49**
